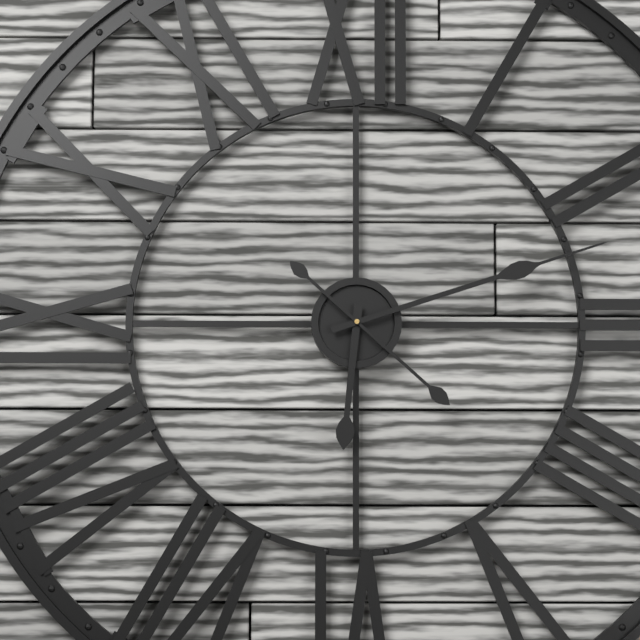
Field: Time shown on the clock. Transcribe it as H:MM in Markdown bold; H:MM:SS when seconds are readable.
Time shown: **6:12:22**
